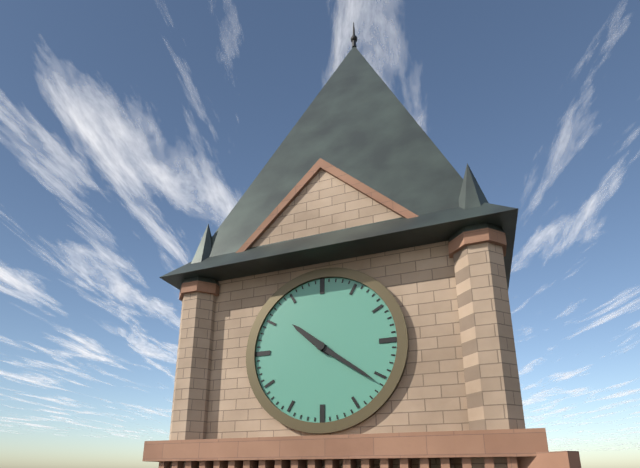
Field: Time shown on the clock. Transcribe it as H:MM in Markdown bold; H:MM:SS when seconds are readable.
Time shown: **10:21**
